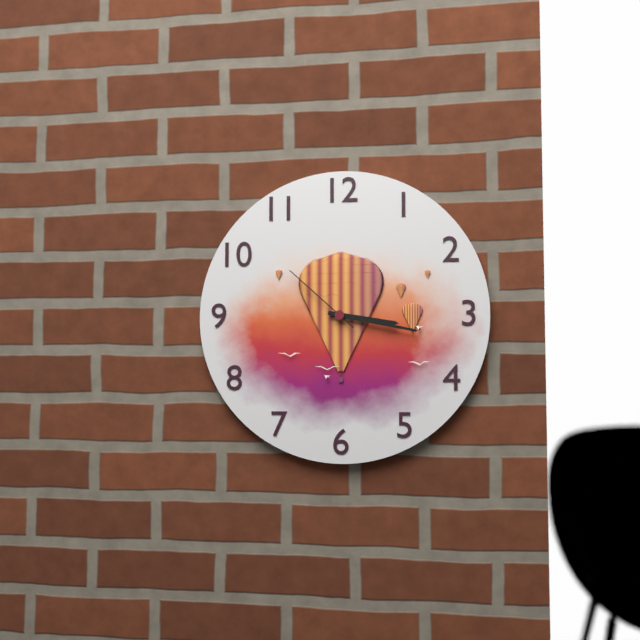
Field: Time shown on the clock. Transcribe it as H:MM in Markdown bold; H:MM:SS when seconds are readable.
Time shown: **3:17:52**
